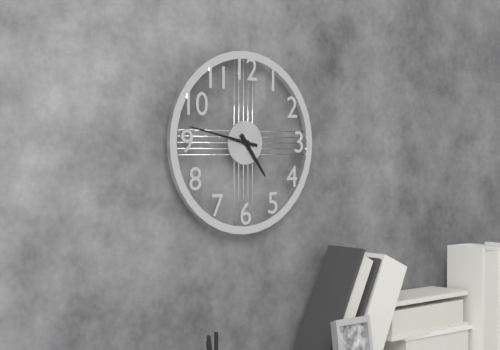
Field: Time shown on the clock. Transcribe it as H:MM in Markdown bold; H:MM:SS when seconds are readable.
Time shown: **4:47**
